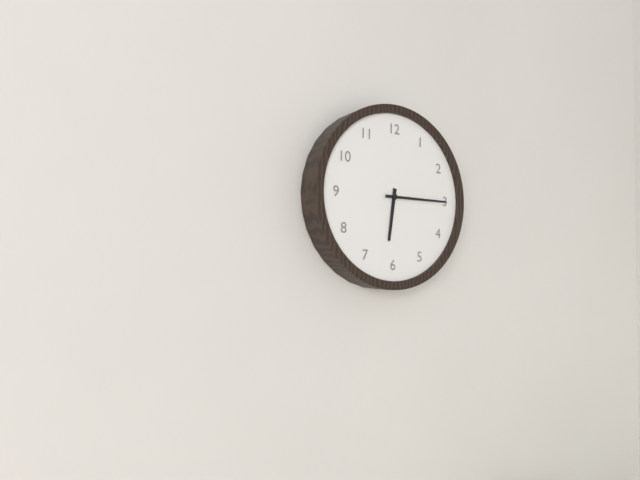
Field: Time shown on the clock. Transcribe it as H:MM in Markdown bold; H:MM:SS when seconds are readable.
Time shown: **6:15**
